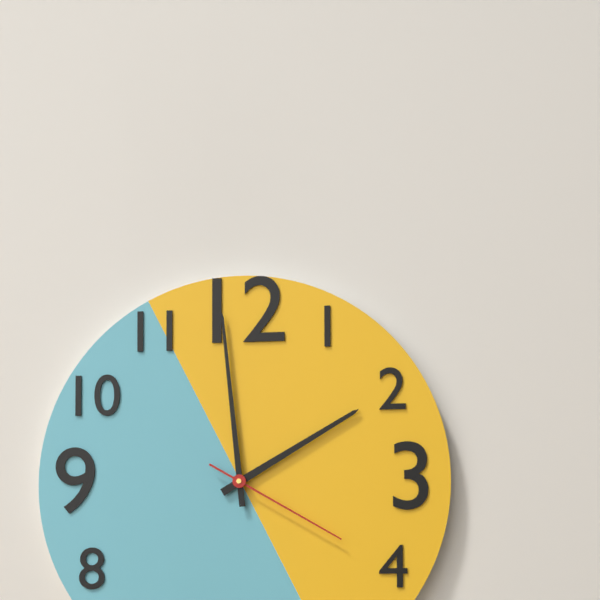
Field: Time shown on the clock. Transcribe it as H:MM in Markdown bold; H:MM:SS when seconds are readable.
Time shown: **1:59:20**
